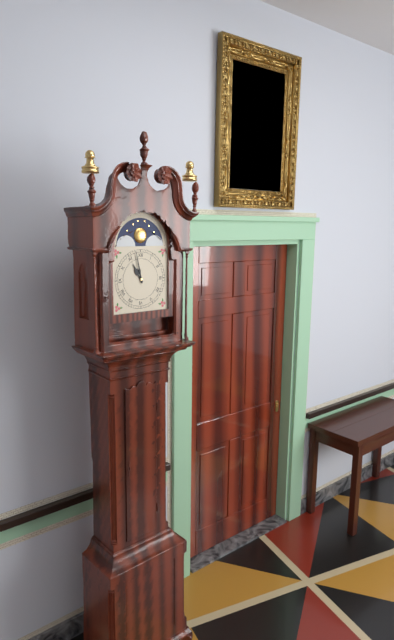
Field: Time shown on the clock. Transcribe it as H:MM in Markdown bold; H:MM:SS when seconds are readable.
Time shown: **10:58**
